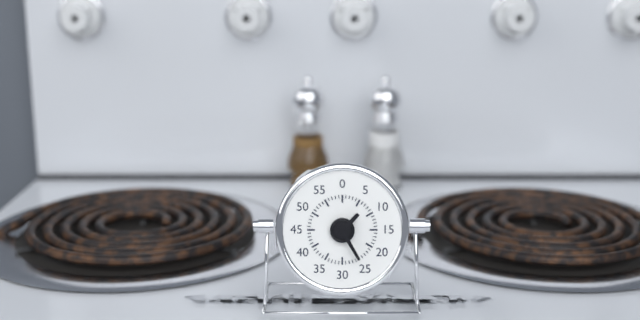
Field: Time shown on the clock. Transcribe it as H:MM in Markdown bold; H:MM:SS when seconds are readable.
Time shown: **1:25**
